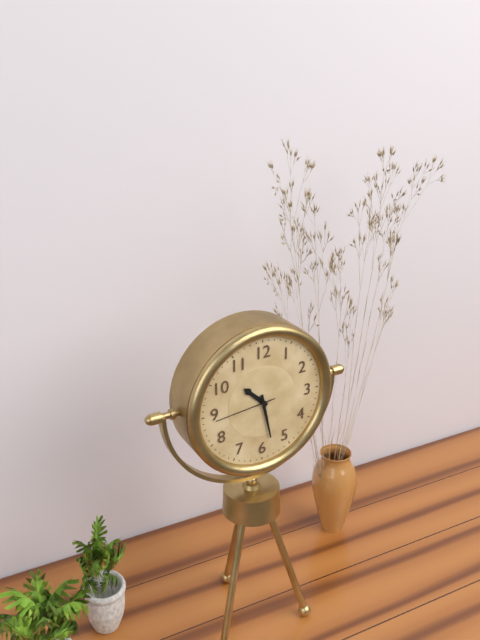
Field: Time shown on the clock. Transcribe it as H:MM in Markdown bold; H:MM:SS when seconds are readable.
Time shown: **10:28:44**
